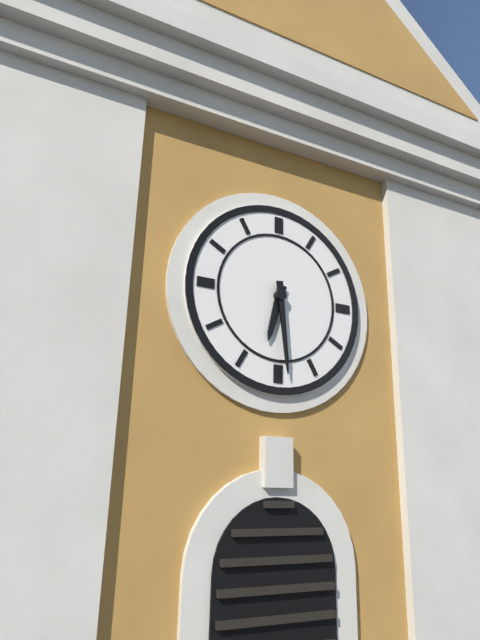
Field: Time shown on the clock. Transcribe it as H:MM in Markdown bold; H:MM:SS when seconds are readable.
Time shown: **6:29**
